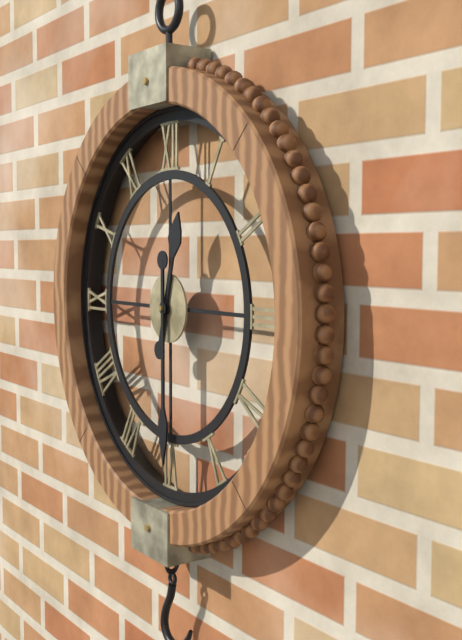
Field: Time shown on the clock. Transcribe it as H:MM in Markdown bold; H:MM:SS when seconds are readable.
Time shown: **12:30**
